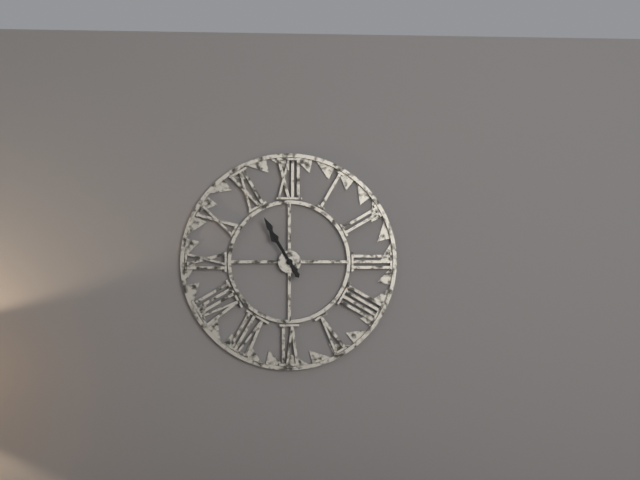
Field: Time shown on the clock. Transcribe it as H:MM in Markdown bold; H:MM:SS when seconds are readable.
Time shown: **10:55**
